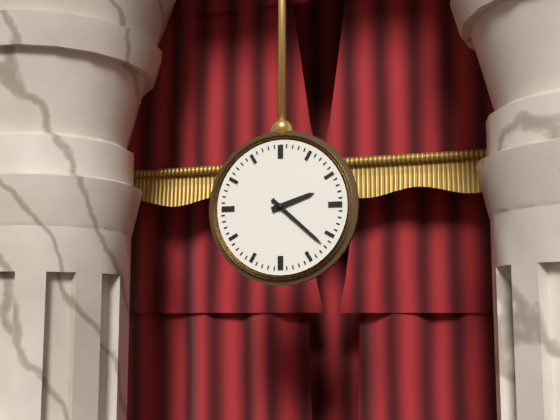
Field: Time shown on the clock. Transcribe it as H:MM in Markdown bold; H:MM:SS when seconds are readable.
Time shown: **2:22**
